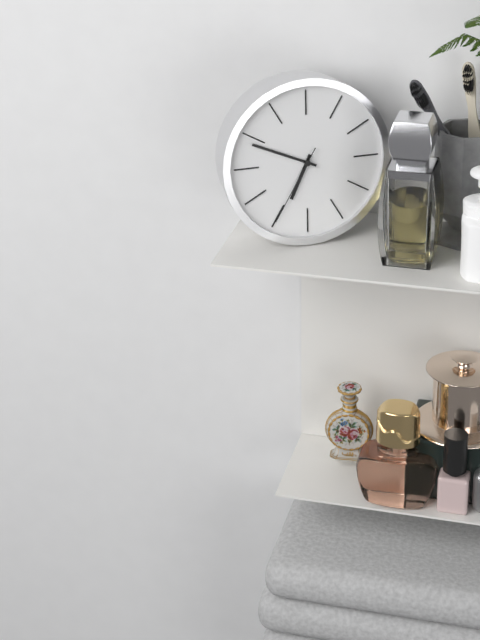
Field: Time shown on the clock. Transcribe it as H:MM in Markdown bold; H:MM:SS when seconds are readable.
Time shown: **6:49:35**
